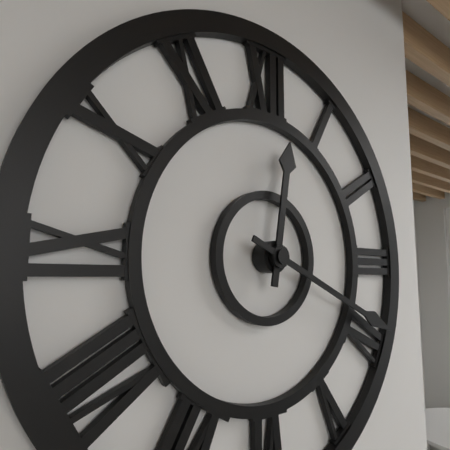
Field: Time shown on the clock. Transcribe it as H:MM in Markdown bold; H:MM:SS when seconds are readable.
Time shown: **12:19**
